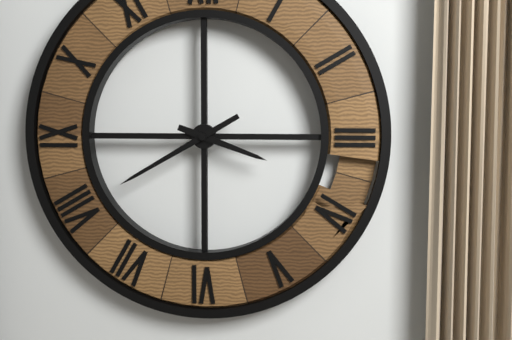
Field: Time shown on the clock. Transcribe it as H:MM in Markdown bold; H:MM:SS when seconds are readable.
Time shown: **3:40**
